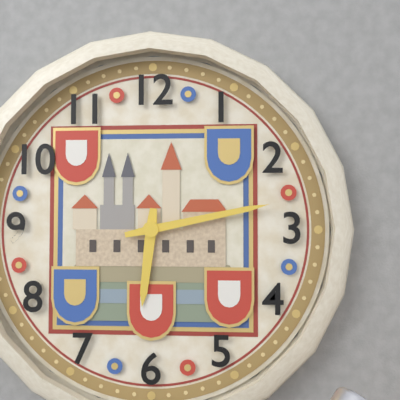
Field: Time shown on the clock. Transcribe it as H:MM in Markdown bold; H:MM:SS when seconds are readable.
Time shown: **6:13**
